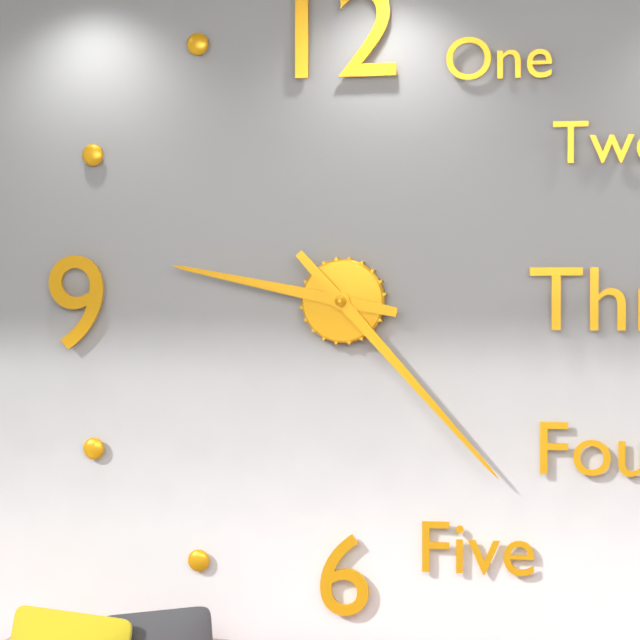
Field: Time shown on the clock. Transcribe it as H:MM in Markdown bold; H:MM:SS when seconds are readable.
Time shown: **9:23**
